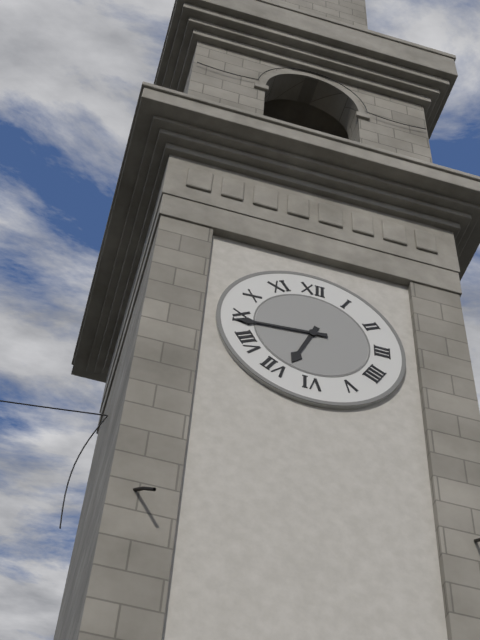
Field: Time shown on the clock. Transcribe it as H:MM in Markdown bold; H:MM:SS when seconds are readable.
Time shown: **6:44**
